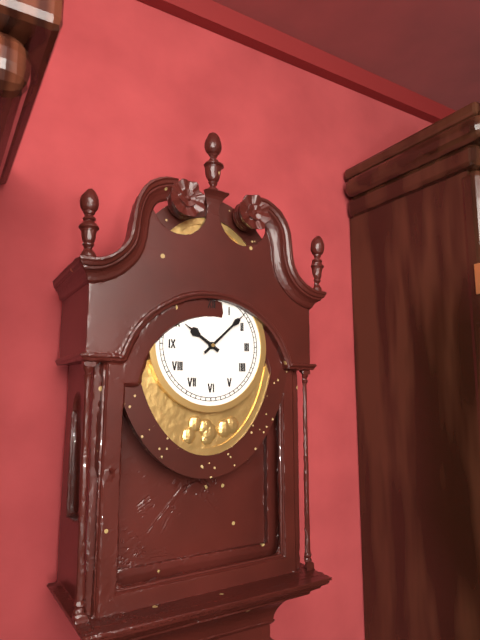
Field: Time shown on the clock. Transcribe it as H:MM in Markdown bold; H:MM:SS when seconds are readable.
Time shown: **10:08**
